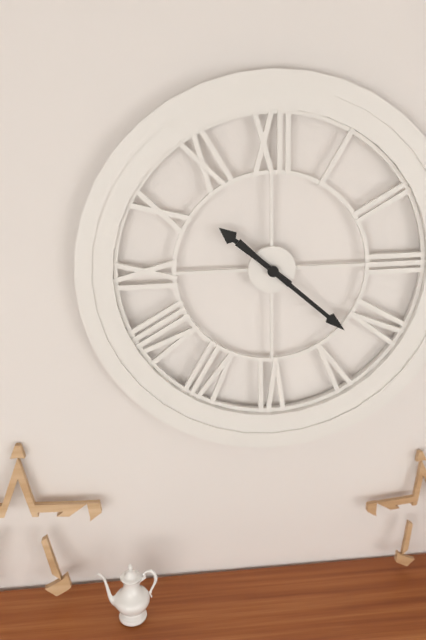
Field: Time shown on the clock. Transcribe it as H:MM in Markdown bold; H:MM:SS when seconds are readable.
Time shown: **10:22**
